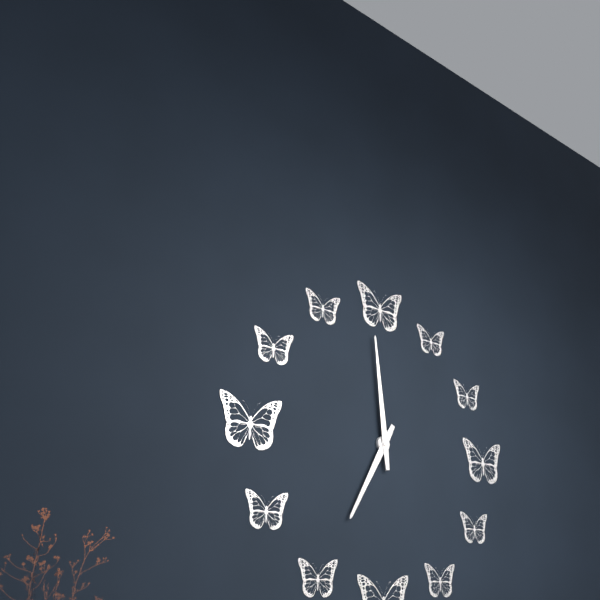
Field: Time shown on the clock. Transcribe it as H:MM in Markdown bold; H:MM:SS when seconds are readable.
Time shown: **6:59**
